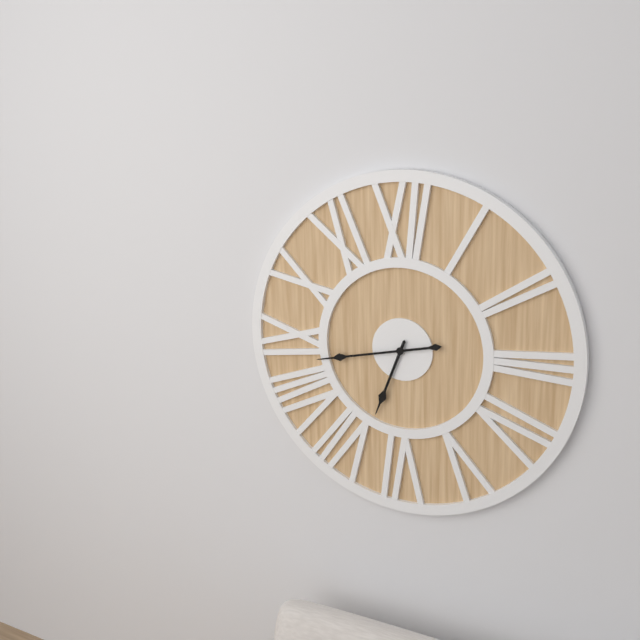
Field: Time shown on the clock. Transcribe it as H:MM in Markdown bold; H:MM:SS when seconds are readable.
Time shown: **6:43**
